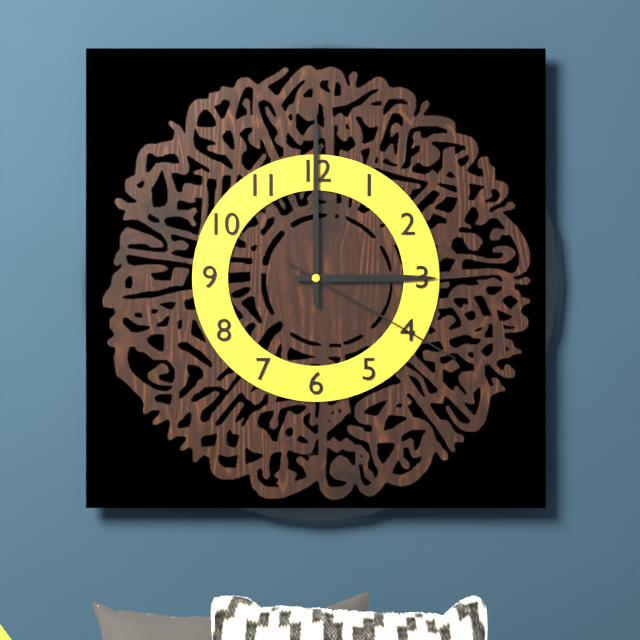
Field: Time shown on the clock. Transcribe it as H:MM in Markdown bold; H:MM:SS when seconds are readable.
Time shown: **3:00:20**
